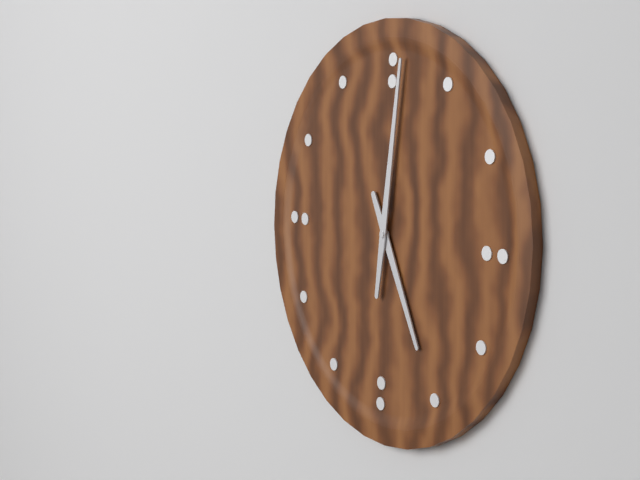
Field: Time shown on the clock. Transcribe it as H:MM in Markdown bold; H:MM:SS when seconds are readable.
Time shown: **5:01**
